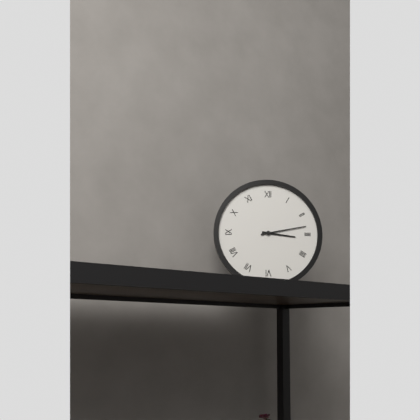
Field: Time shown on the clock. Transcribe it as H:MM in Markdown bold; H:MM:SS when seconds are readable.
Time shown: **3:13**
